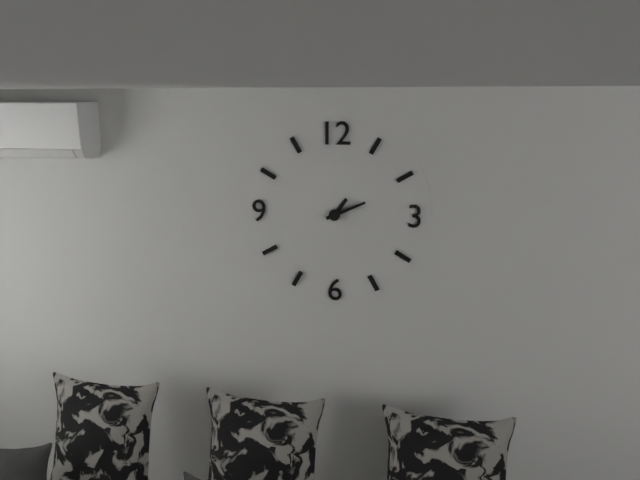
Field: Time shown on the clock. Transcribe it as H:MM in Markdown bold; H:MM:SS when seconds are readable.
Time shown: **1:11**
